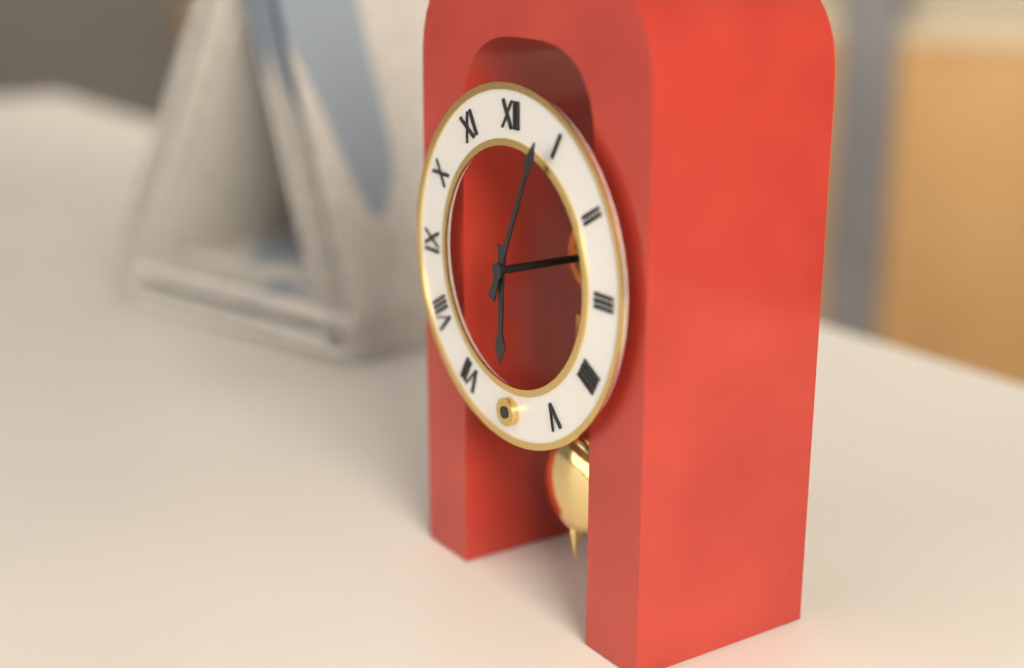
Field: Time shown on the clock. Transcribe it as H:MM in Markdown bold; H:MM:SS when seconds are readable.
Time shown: **6:04**
